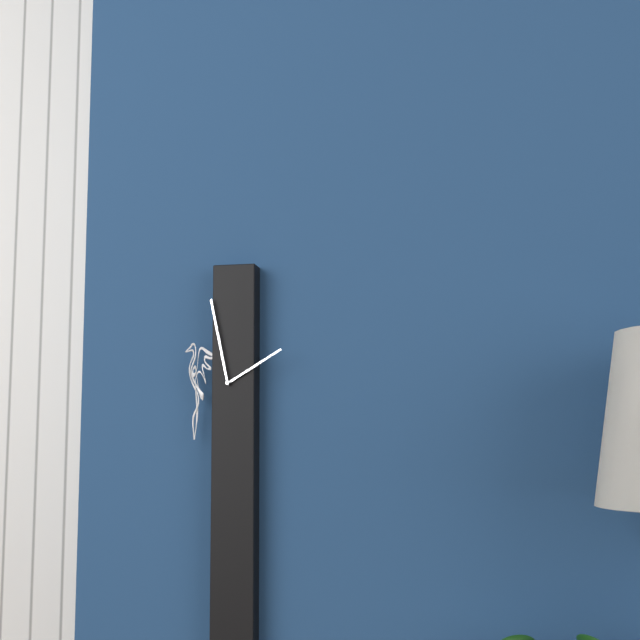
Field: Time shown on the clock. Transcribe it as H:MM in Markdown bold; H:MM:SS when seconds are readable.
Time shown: **1:58**
